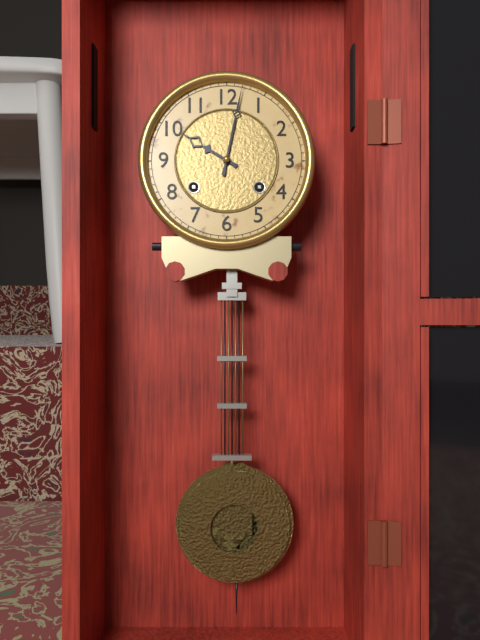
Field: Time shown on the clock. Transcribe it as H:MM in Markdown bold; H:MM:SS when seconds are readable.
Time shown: **10:02**
